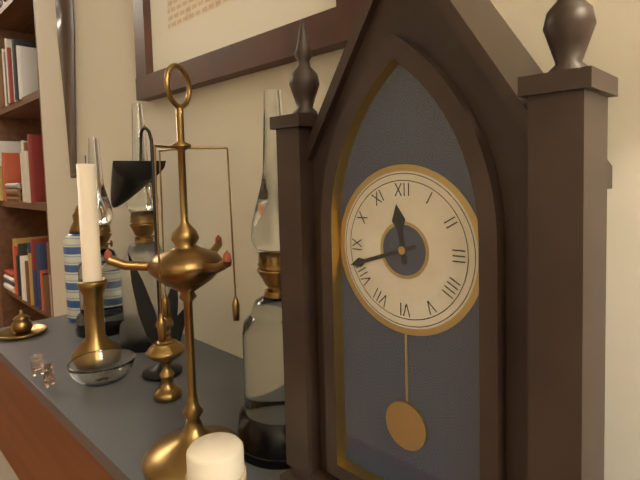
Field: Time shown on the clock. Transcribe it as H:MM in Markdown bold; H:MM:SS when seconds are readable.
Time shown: **11:42**
